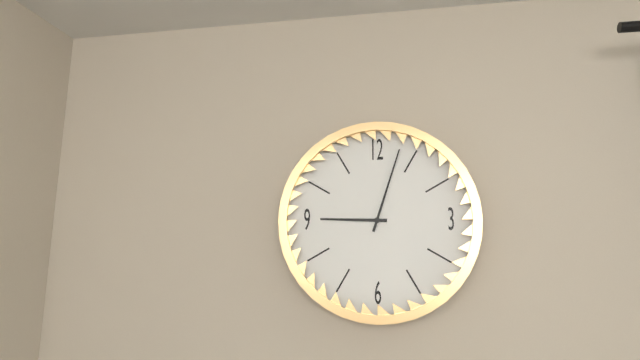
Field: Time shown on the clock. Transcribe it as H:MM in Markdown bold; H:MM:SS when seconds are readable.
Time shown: **9:03**
